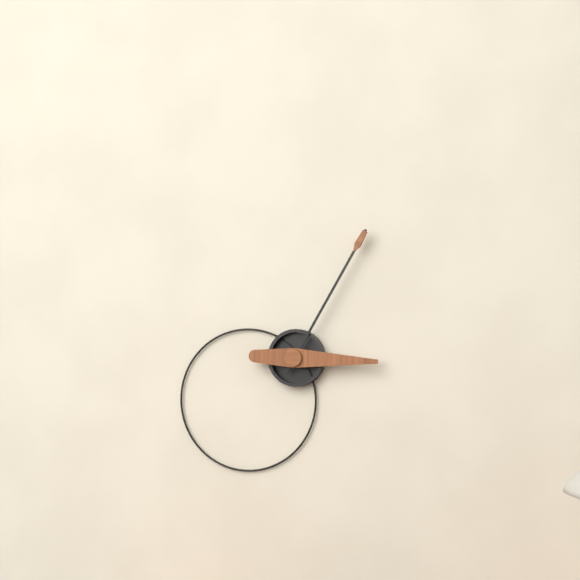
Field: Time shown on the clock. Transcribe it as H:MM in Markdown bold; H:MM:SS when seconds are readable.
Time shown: **3:05**
